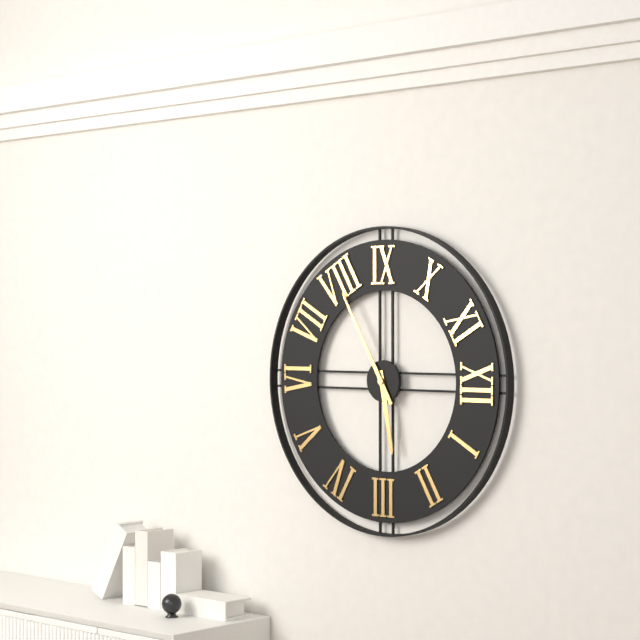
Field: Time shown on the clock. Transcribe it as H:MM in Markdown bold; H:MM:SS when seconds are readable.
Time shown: **2:40**
